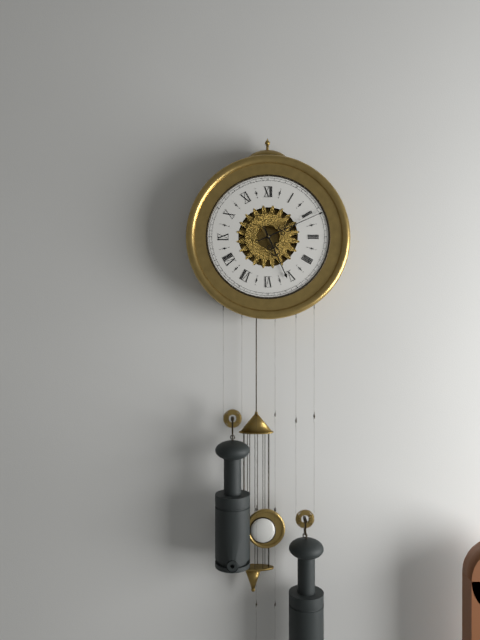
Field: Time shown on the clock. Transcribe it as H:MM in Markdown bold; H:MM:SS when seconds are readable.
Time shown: **5:11**
